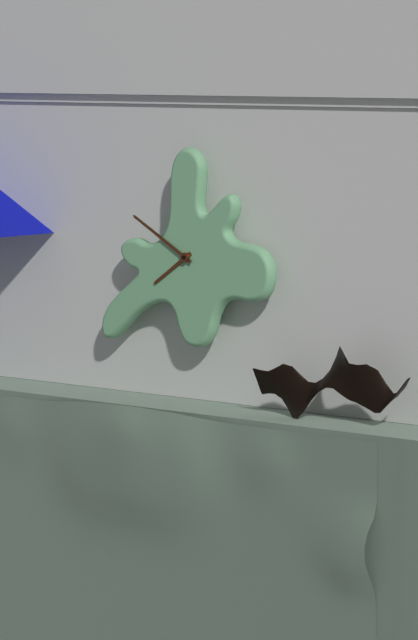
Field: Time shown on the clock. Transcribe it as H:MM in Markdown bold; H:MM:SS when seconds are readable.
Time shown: **7:50**
